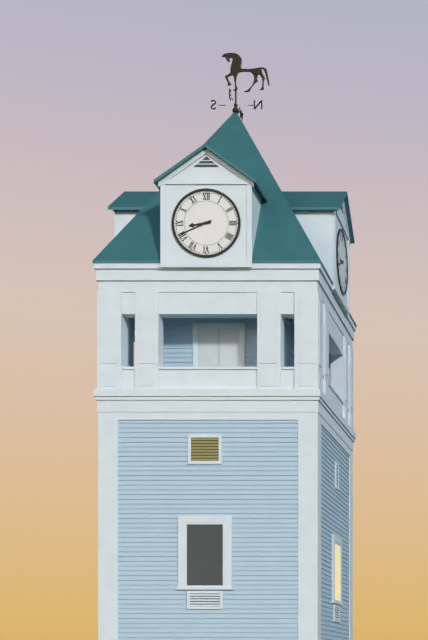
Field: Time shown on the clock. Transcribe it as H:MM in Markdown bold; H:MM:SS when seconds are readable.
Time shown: **8:41**
